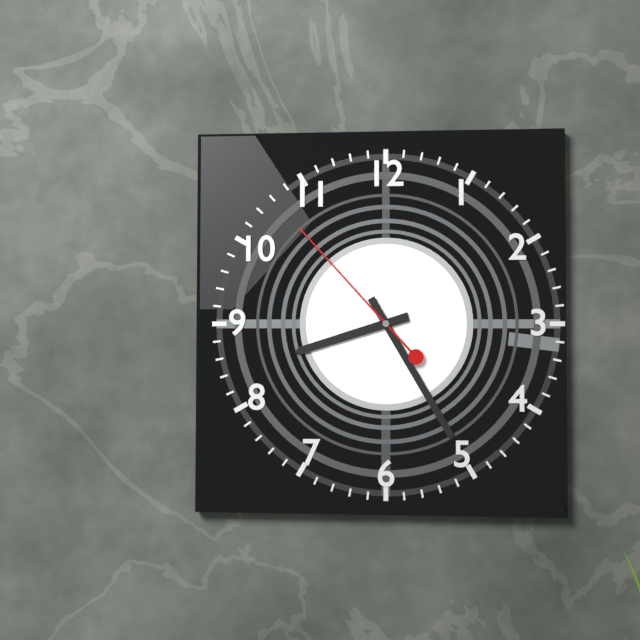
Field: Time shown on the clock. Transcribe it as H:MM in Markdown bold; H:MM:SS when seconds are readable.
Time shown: **8:25:53**
